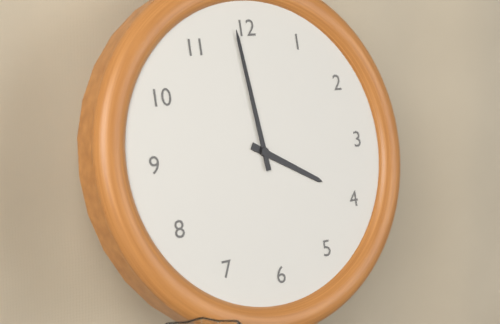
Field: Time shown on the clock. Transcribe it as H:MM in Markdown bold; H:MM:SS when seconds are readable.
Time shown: **3:59**
